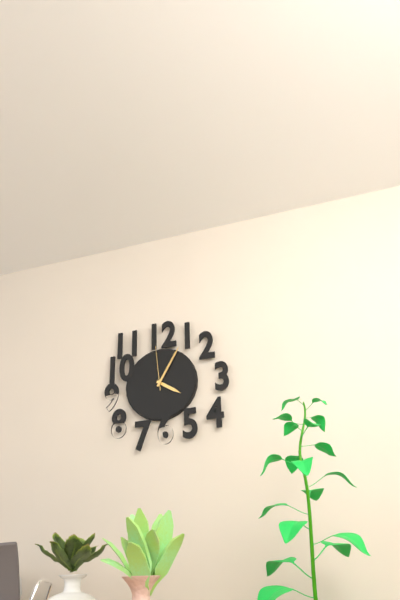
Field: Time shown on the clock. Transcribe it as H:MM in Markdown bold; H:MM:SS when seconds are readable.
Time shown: **4:05**
